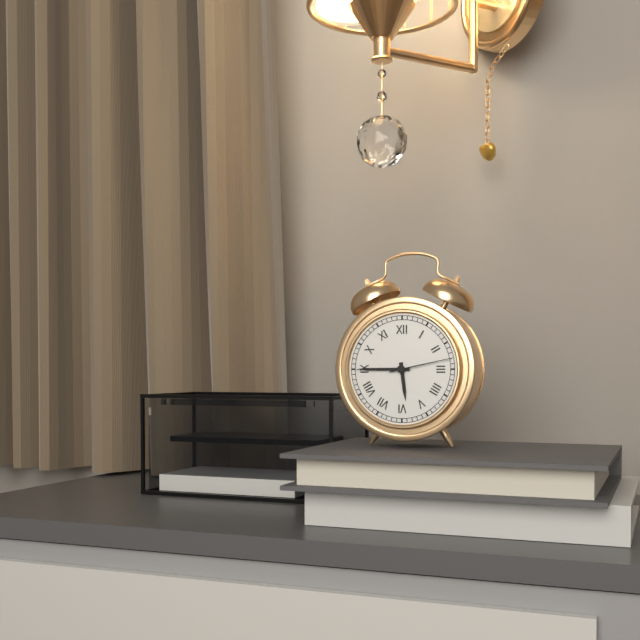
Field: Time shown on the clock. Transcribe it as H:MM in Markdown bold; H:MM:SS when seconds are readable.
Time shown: **5:45:13**
